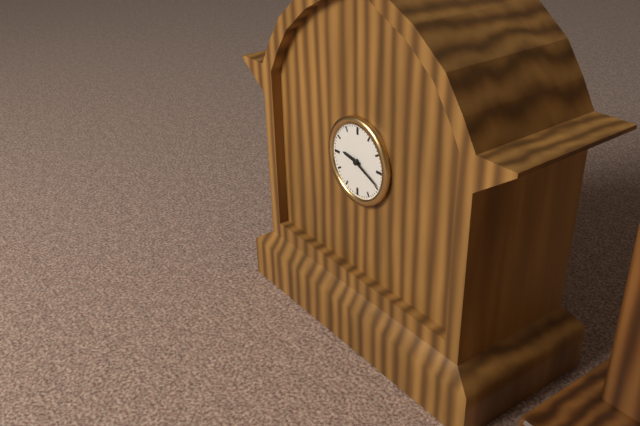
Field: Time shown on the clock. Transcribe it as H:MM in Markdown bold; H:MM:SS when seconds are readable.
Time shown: **9:19**
